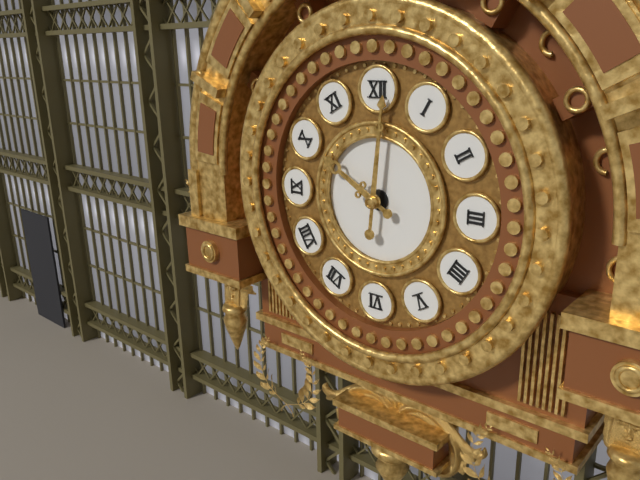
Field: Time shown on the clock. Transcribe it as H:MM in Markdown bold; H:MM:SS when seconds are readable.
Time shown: **10:01**
